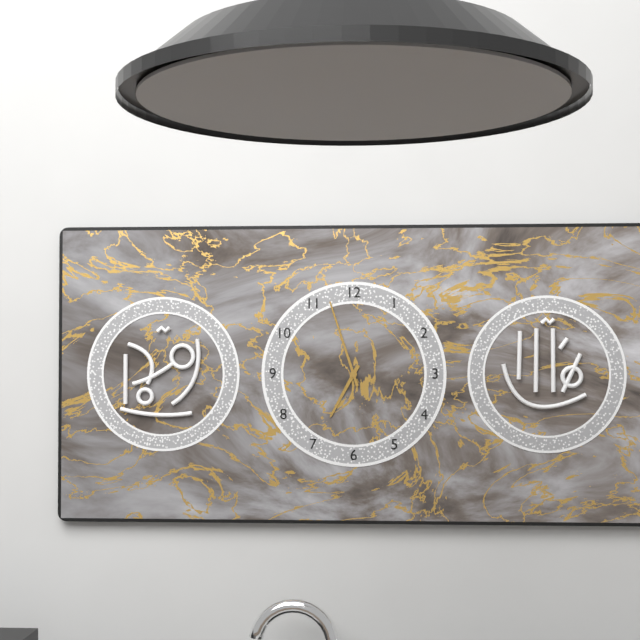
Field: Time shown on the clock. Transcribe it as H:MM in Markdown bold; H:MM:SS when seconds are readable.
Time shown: **6:57**
